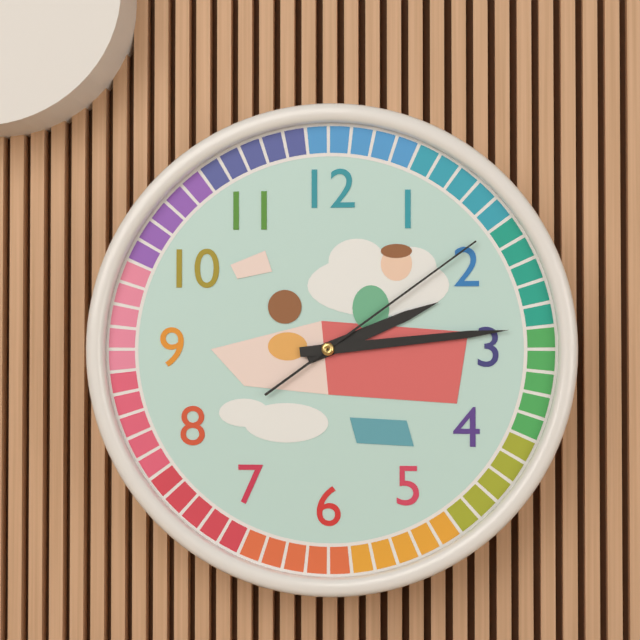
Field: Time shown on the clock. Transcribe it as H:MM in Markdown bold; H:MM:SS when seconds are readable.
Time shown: **2:14:09**
